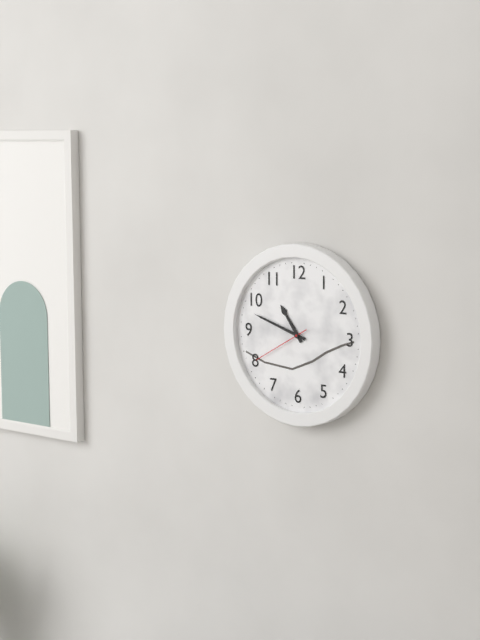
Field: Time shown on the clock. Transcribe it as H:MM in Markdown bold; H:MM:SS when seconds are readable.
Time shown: **10:48:40**
